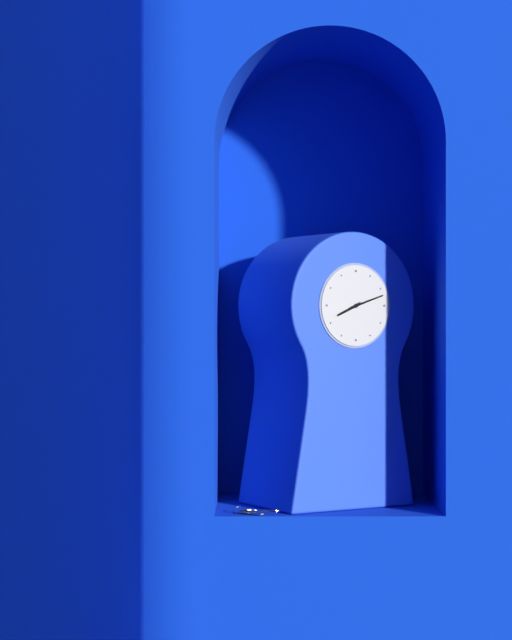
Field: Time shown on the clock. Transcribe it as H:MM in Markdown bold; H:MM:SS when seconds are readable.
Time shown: **8:12**
